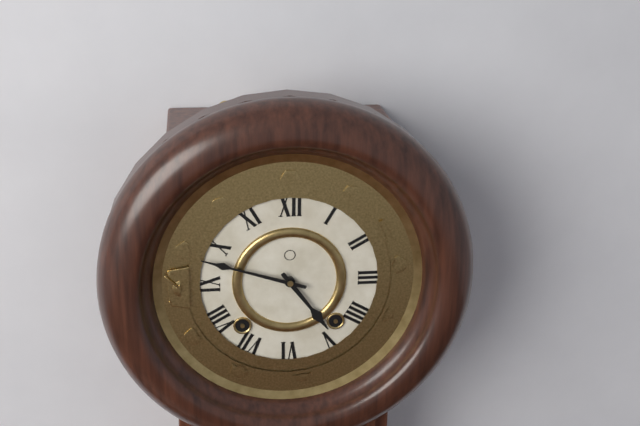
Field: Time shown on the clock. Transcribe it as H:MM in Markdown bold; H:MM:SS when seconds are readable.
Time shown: **4:48**
